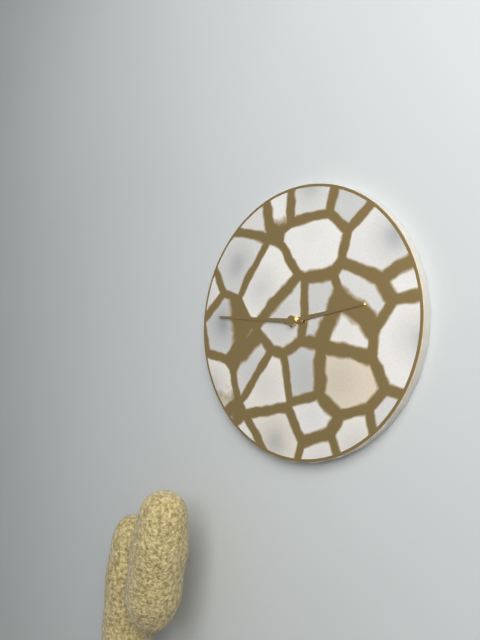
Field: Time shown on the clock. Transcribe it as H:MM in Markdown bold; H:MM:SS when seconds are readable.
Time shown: **2:46**
